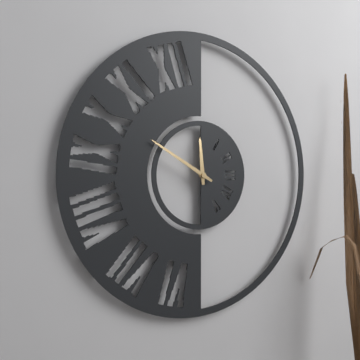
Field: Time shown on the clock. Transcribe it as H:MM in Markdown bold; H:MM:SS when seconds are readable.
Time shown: **11:50**
